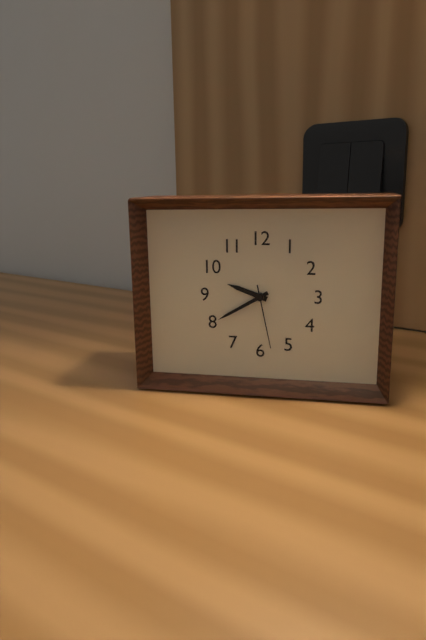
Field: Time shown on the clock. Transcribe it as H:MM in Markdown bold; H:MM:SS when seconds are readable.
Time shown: **9:40:28**
